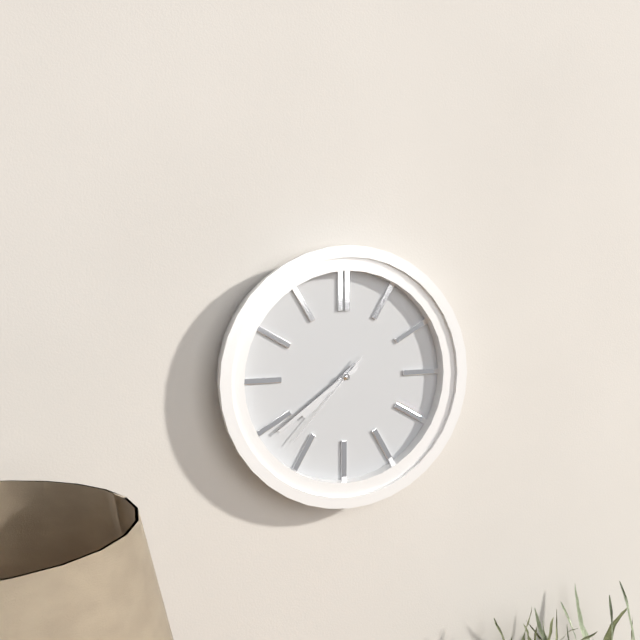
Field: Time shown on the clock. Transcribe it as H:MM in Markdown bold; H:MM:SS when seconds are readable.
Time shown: **7:39:37**
